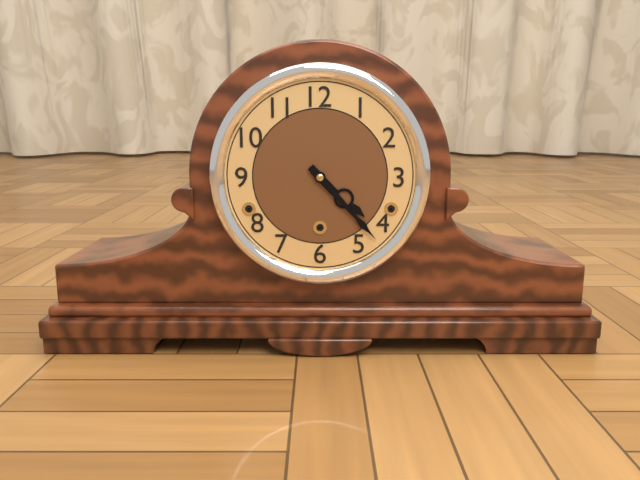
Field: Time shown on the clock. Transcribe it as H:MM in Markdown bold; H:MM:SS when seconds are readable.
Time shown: **4:23**
